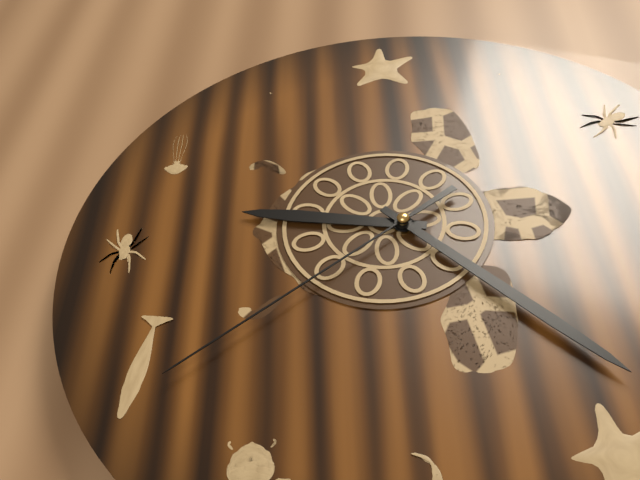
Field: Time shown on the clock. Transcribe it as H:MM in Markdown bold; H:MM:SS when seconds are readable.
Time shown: **9:23:39**
